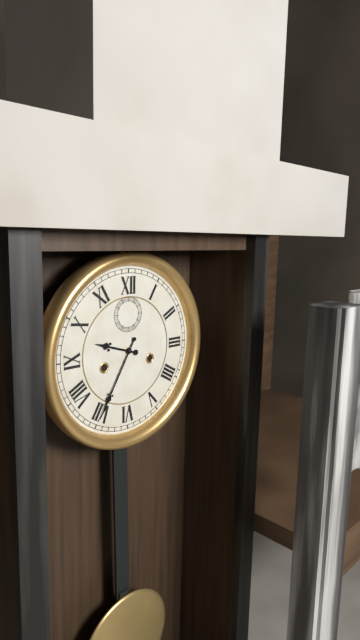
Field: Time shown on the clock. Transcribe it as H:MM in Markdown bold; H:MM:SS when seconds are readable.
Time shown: **9:35**
